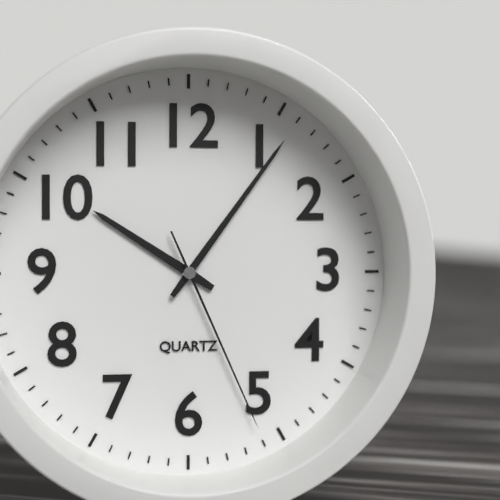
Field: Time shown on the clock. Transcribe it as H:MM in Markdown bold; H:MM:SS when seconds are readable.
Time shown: **10:06:26**
